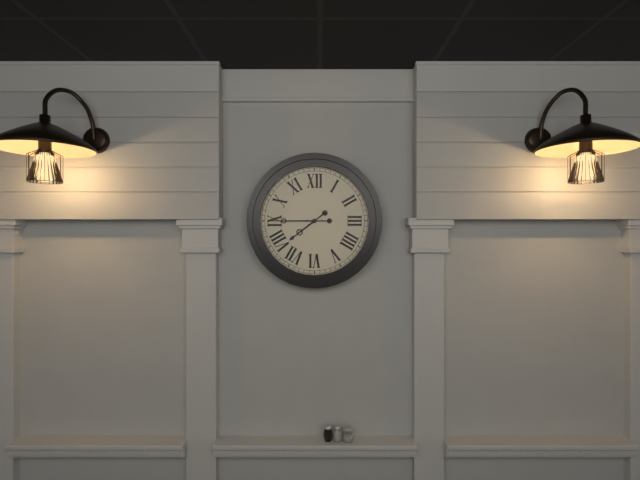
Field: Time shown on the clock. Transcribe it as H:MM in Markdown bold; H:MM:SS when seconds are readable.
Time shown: **7:45**
